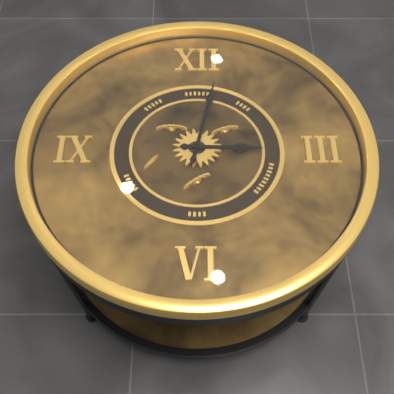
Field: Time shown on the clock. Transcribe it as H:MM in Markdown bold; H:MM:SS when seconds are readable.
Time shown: **3:02**
